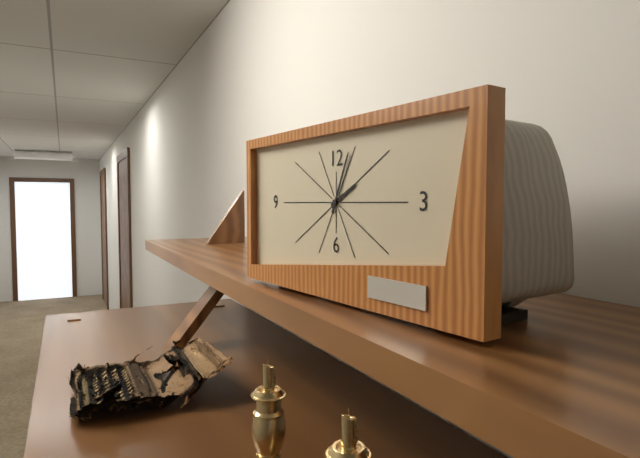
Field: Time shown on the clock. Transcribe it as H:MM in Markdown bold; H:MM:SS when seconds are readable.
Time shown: **2:04**
